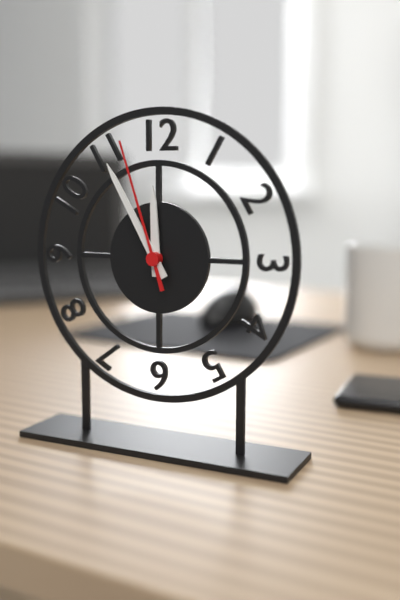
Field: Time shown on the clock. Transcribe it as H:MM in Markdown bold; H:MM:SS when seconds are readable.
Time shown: **11:55:57**
